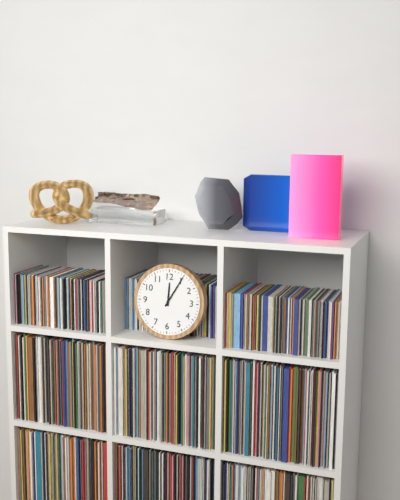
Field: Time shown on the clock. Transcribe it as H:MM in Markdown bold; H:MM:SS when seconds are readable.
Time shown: **12:05**
